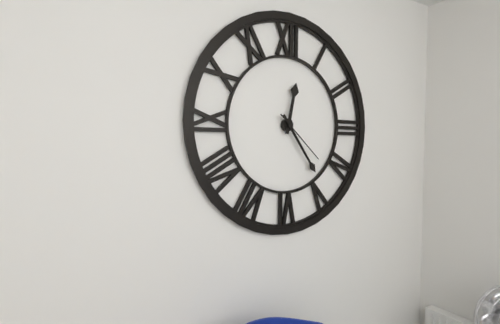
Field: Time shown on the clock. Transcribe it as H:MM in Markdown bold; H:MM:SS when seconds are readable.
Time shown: **12:24:22**
